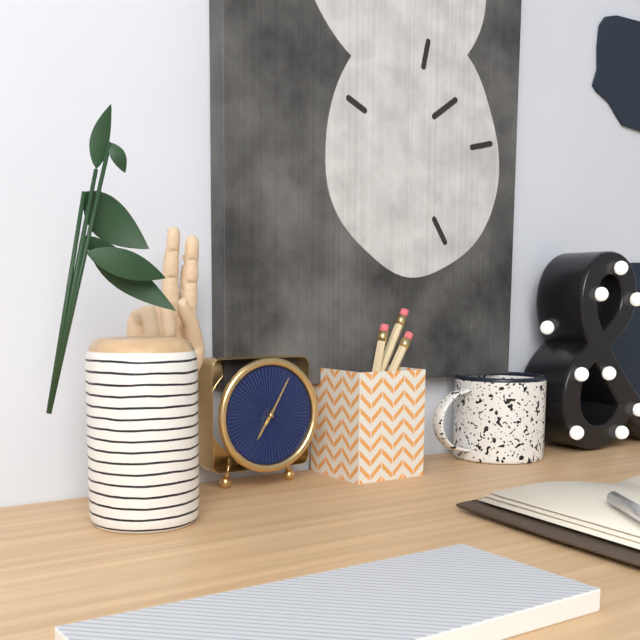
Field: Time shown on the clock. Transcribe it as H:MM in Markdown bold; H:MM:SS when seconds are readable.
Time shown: **7:05**
